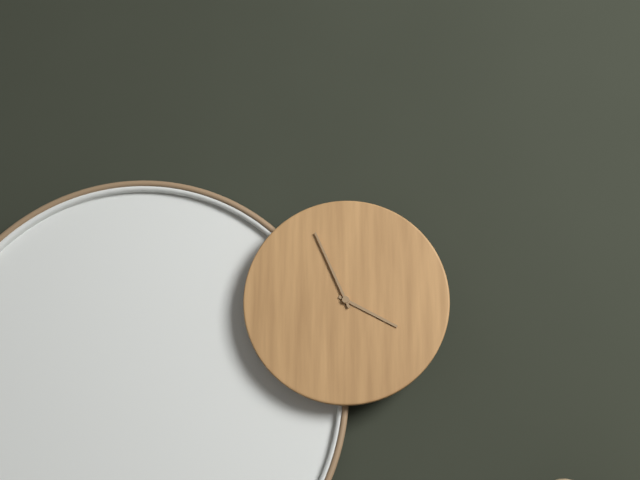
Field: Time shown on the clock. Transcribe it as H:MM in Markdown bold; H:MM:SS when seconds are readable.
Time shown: **3:56**
